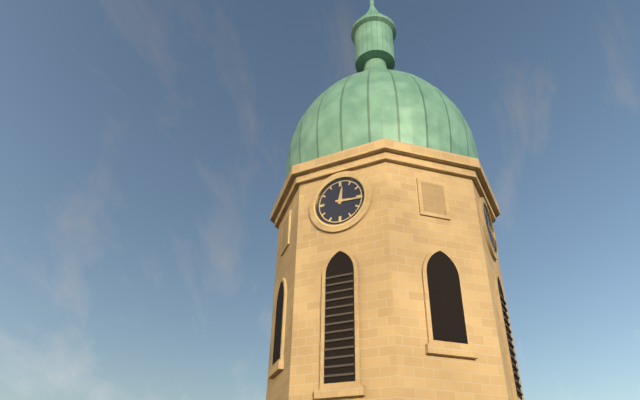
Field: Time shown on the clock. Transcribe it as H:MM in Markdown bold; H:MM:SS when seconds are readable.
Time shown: **12:16**
